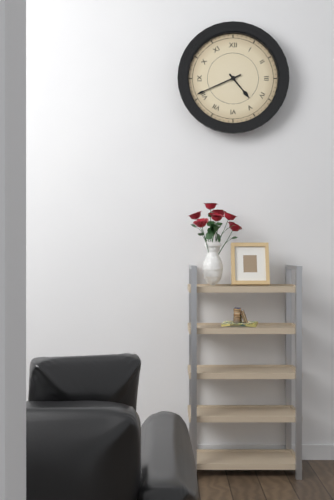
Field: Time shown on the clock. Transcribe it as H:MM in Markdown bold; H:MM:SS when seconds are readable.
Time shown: **4:41**
